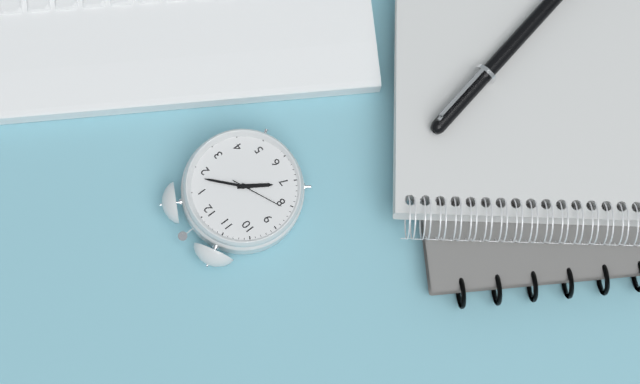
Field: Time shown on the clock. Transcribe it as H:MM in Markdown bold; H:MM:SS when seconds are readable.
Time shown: **7:08:41**
